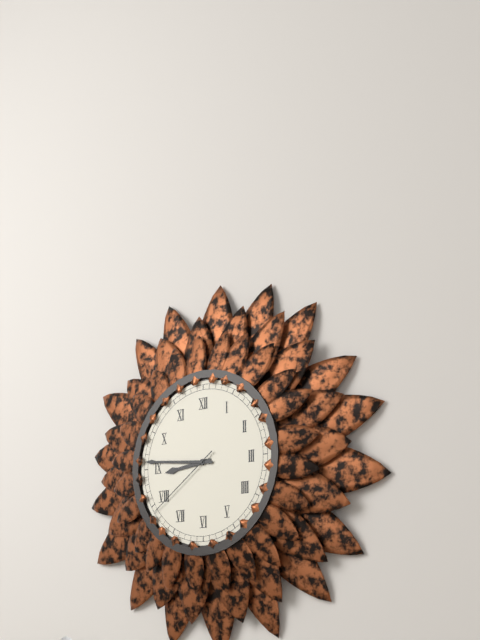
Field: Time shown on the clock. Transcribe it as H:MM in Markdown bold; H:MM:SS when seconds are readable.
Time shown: **8:46:39**
